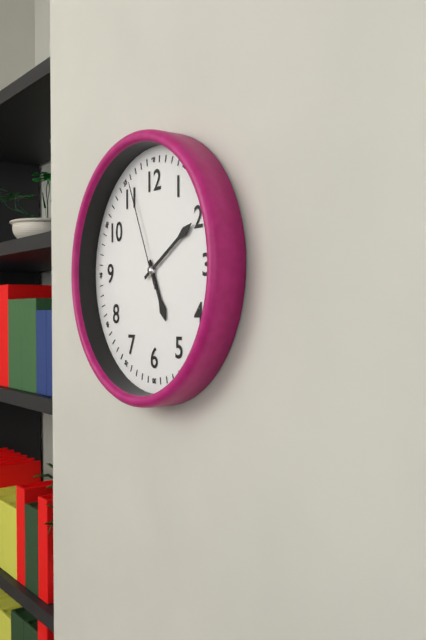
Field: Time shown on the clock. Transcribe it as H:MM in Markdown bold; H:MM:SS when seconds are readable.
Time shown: **5:10:56**
